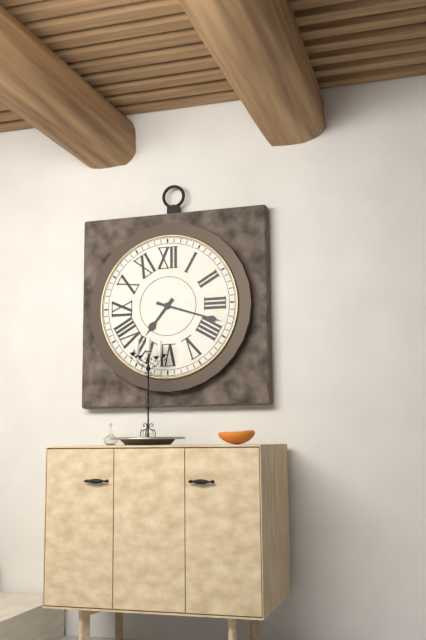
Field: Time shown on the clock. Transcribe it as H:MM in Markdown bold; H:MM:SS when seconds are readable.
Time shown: **7:18**
